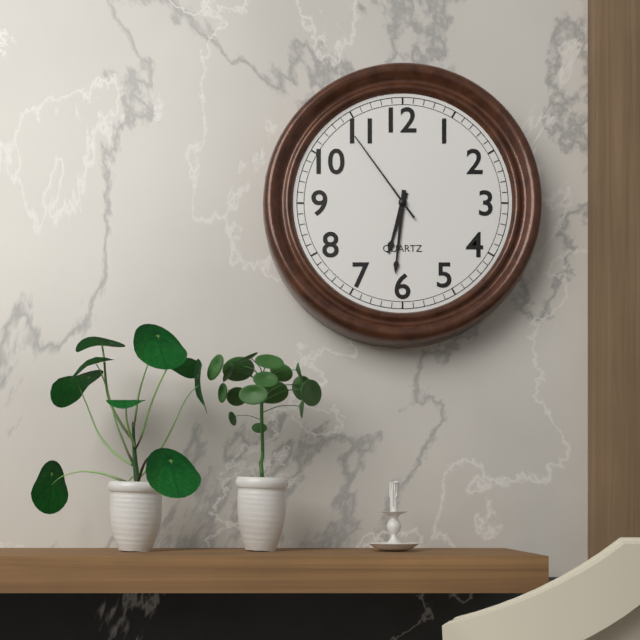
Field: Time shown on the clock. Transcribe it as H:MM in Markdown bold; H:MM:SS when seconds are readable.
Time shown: **6:31:54**
